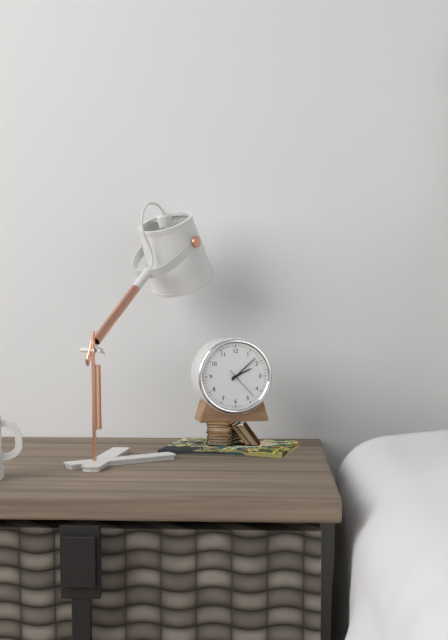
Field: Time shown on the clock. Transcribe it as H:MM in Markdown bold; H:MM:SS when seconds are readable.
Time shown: **2:08**
